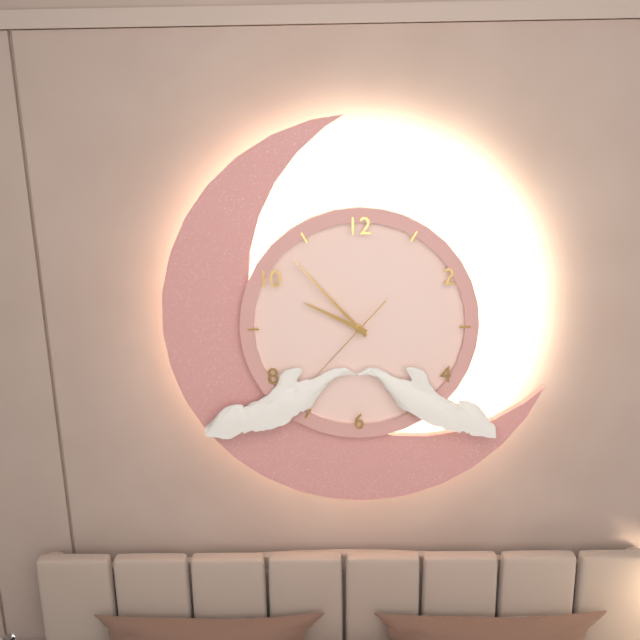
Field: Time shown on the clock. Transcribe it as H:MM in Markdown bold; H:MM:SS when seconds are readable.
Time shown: **9:53**
